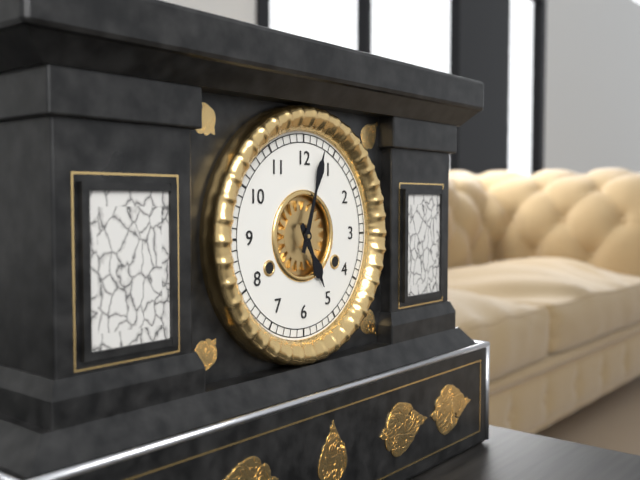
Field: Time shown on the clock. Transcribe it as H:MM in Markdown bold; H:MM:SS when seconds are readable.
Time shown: **5:03**
